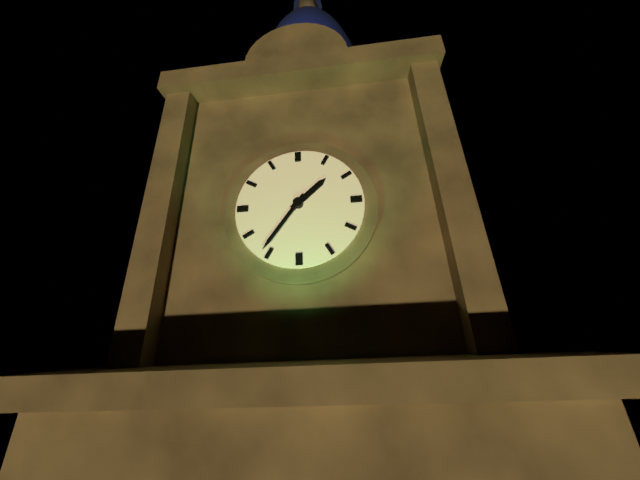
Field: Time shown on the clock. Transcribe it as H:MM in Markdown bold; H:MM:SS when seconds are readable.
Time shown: **1:36**
